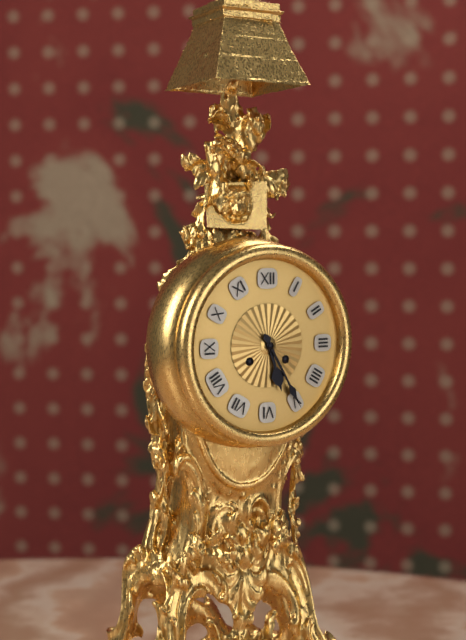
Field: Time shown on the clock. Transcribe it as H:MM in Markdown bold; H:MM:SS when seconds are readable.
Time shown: **5:25**
